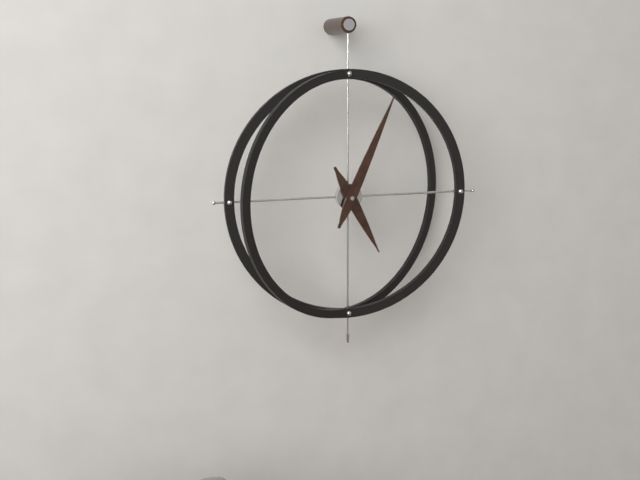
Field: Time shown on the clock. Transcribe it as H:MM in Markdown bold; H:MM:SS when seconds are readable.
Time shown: **5:04**
